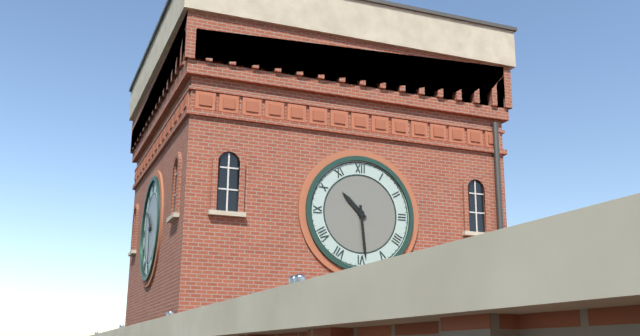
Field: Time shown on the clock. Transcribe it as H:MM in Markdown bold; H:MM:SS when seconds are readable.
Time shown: **10:29**
